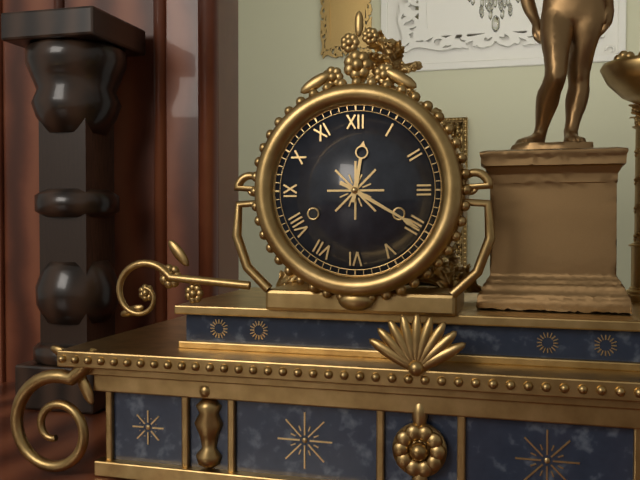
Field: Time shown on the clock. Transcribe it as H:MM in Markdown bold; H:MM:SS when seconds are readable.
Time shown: **12:20**
